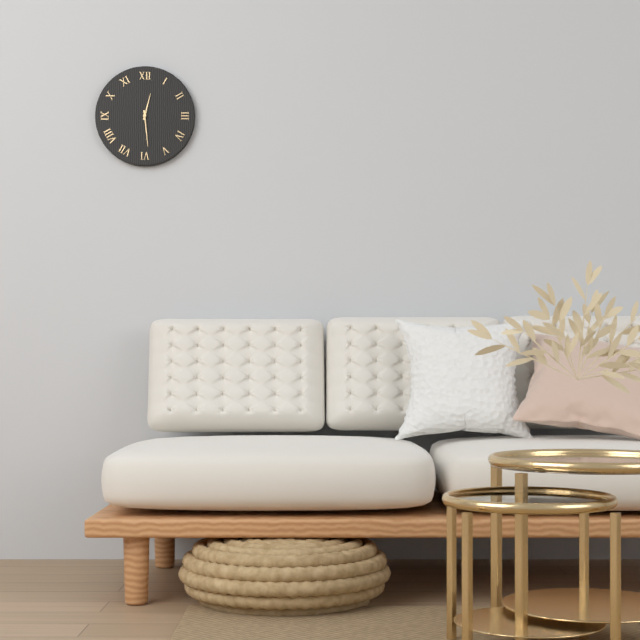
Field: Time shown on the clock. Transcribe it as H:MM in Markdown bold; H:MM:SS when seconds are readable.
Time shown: **12:29**
